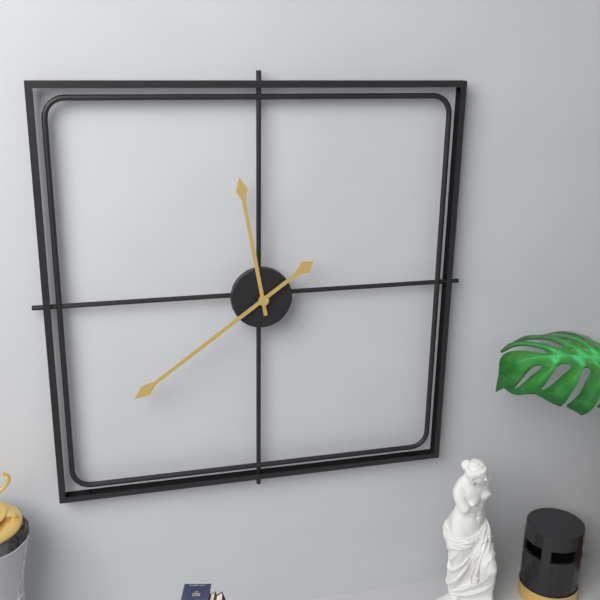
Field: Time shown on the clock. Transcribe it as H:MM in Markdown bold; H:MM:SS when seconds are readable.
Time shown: **11:39**
